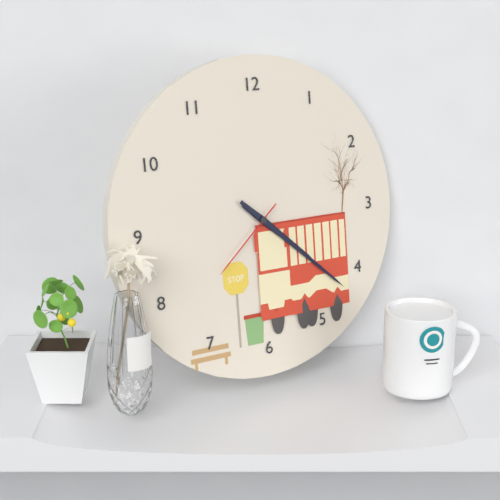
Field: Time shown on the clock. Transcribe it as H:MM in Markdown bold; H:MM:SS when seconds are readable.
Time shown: **4:22:38**
